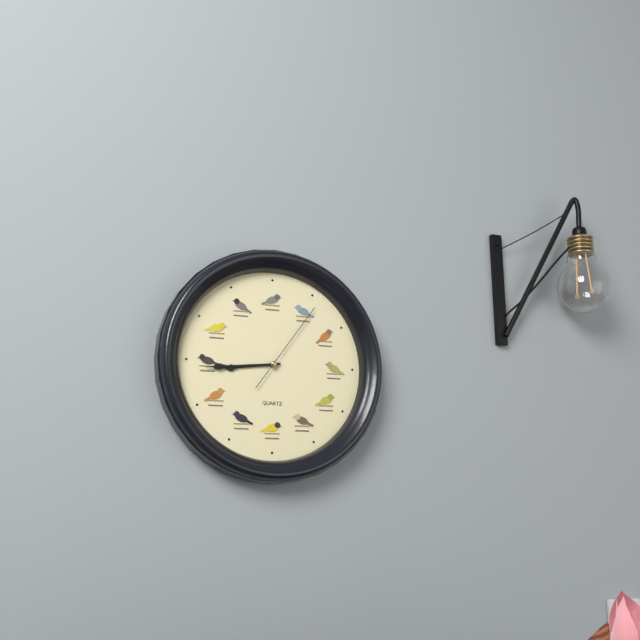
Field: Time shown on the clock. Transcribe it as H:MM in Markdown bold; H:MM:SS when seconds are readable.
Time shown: **8:44:06**
